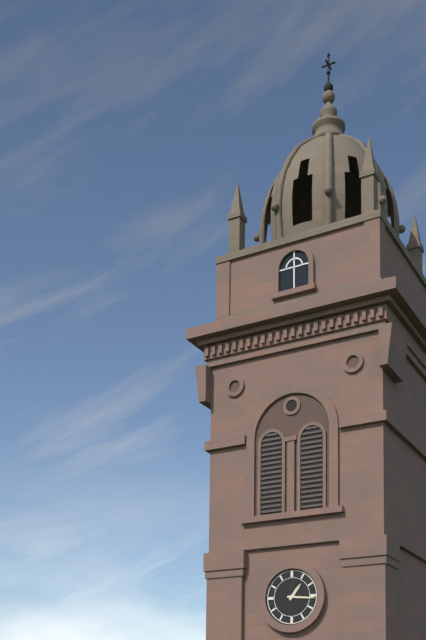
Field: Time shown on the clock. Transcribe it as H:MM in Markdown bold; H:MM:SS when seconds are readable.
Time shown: **1:16**
